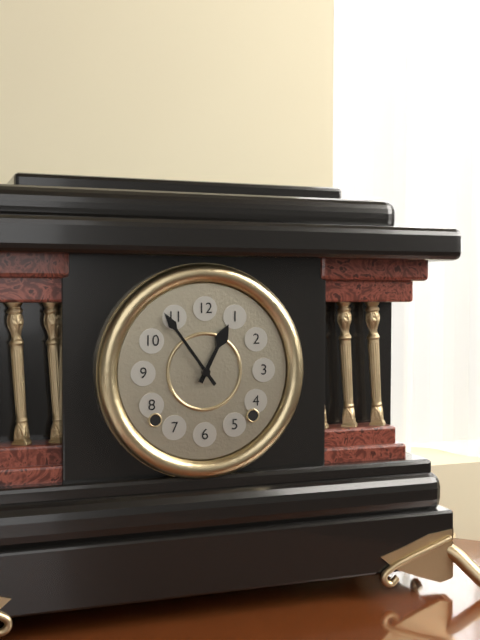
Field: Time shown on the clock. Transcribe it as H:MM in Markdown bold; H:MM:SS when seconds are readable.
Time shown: **12:54**
